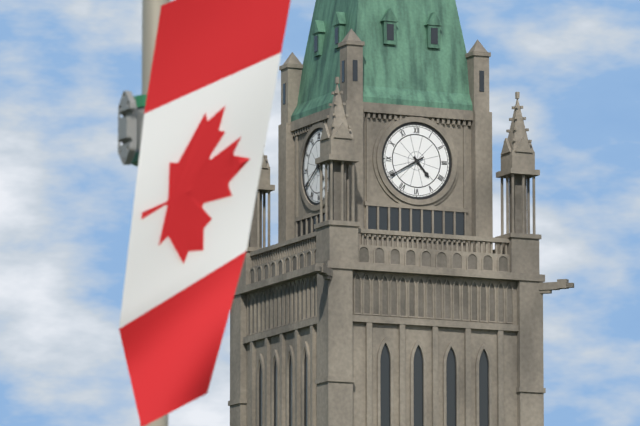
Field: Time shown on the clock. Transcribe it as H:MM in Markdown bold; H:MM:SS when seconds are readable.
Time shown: **4:40**
